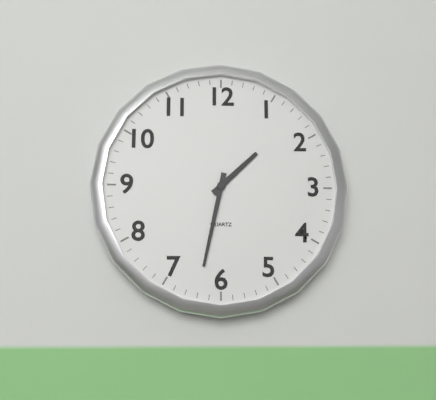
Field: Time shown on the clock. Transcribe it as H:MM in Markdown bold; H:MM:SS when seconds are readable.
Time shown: **1:32**
